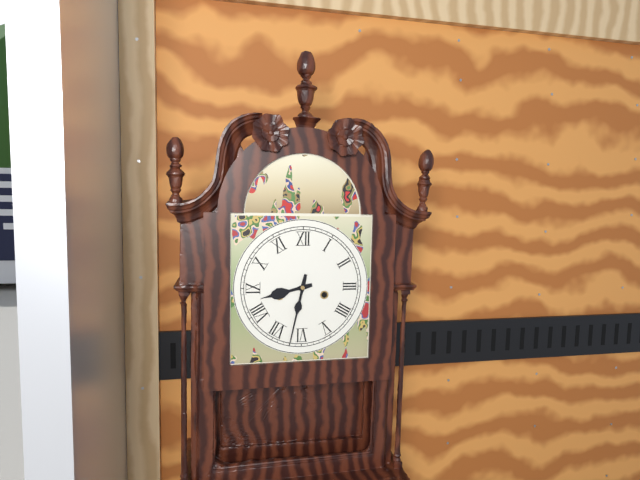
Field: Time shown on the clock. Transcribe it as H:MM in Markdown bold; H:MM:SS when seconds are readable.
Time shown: **8:32**
